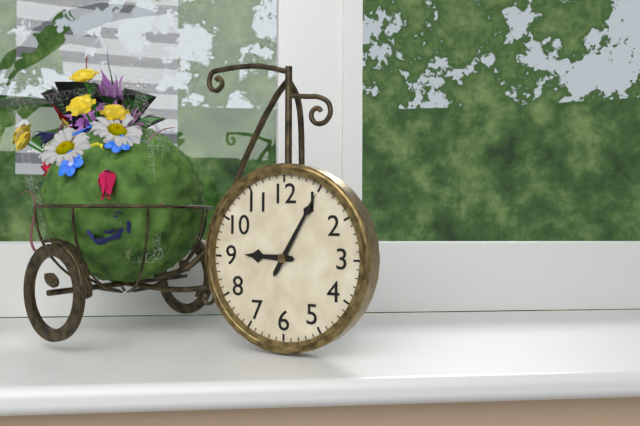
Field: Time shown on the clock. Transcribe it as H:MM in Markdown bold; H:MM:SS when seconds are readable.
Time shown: **9:05**
